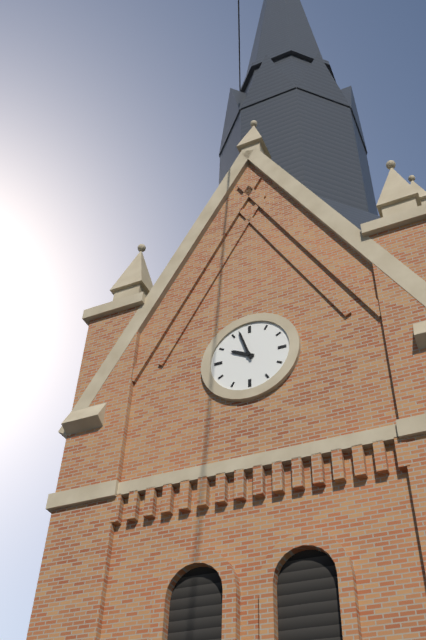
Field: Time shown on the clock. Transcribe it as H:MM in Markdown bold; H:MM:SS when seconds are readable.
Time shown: **9:57**
